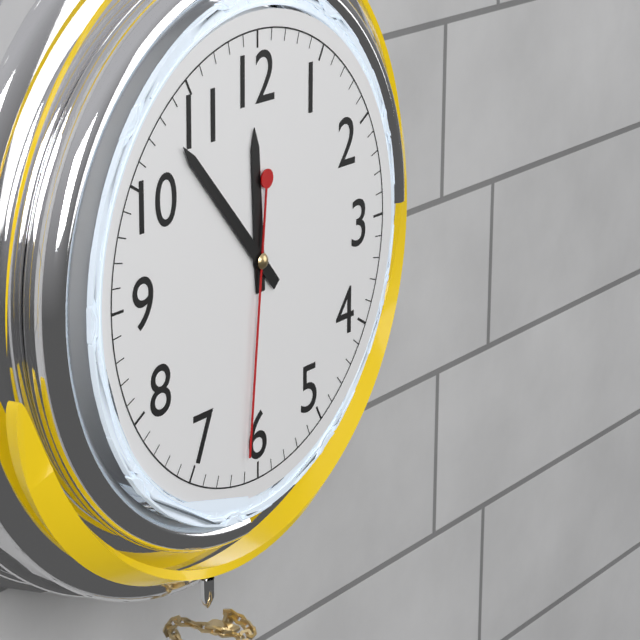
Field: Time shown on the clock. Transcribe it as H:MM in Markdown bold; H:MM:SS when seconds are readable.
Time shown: **11:53:31**
